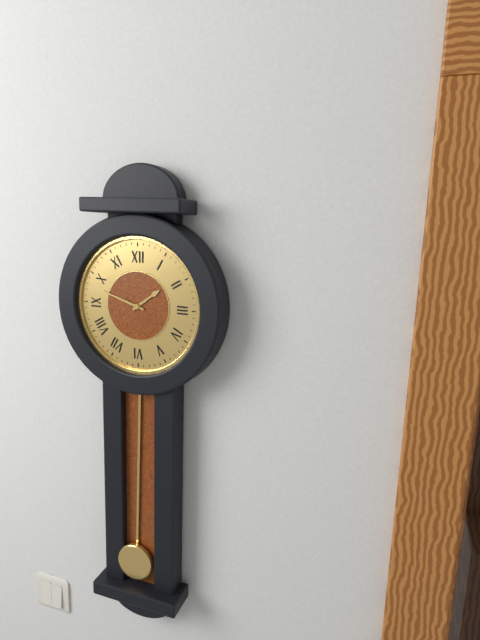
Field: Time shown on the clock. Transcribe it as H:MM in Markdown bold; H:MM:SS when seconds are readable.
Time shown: **1:48**
